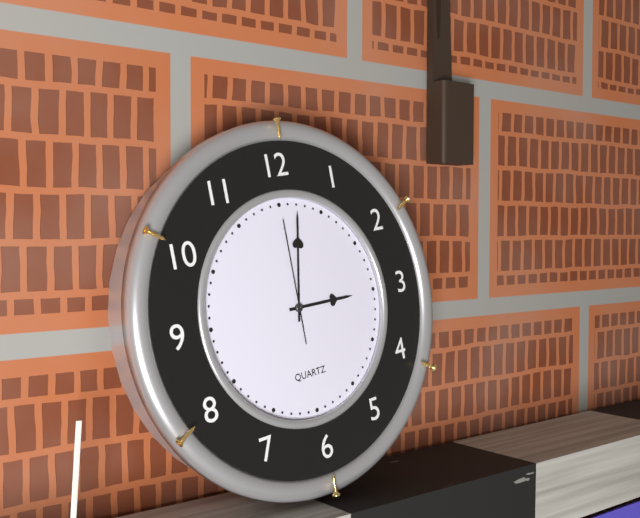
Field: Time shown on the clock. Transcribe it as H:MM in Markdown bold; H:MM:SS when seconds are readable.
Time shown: **3:02:00**
